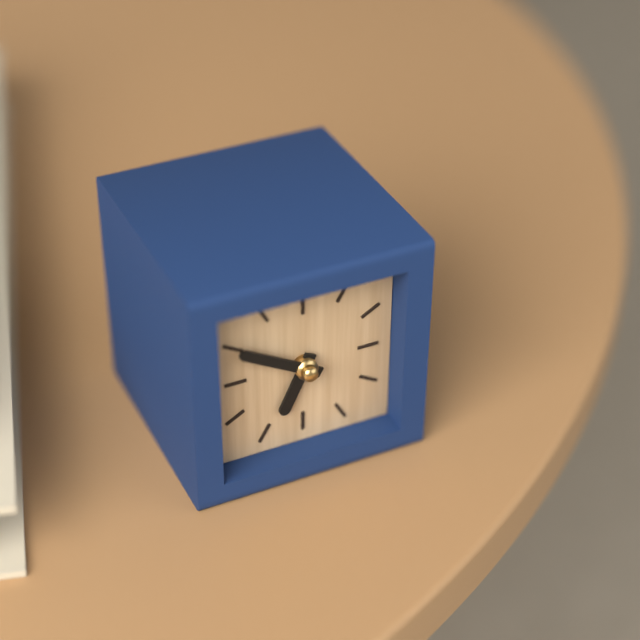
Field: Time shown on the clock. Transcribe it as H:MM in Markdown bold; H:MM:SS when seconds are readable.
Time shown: **6:50**
